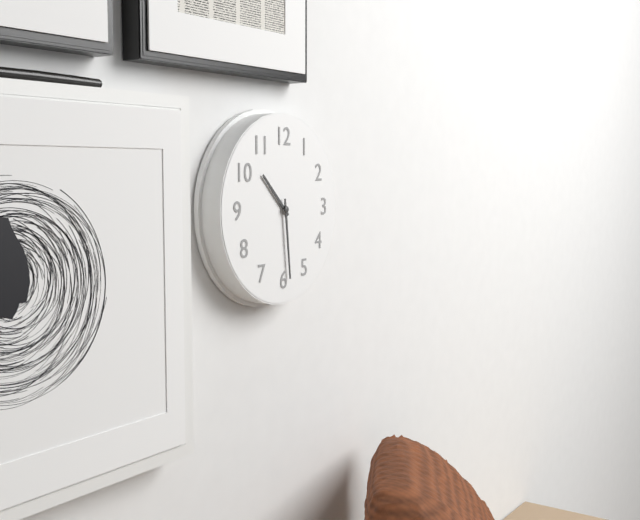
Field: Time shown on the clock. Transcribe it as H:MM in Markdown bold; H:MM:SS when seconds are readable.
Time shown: **10:29**
